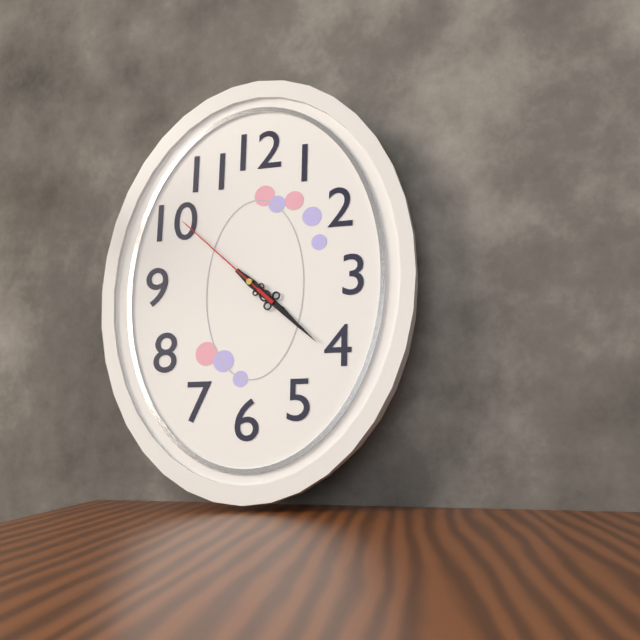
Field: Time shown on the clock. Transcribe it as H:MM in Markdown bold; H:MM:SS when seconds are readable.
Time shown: **4:22:52**
